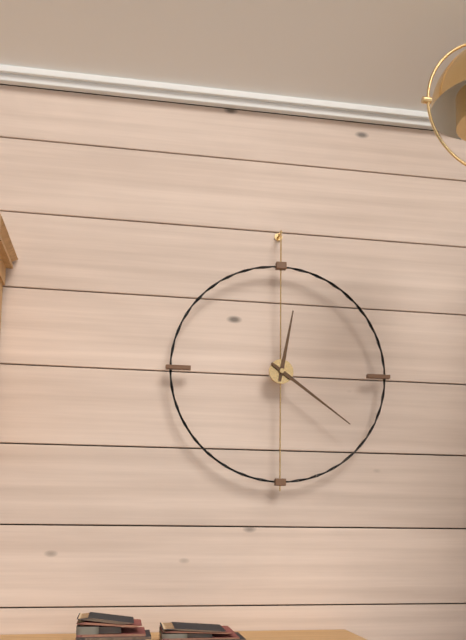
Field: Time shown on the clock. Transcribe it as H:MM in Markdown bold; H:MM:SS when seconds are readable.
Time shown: **12:21**
